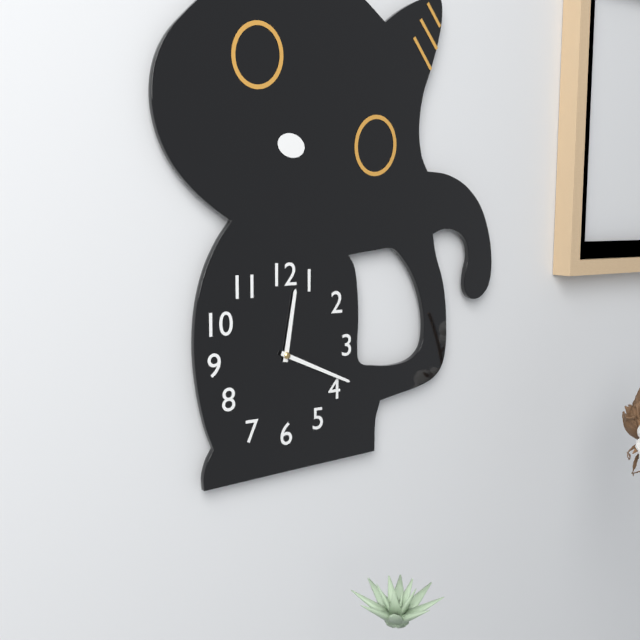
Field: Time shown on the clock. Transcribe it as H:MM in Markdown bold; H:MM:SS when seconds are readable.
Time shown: **12:19**
